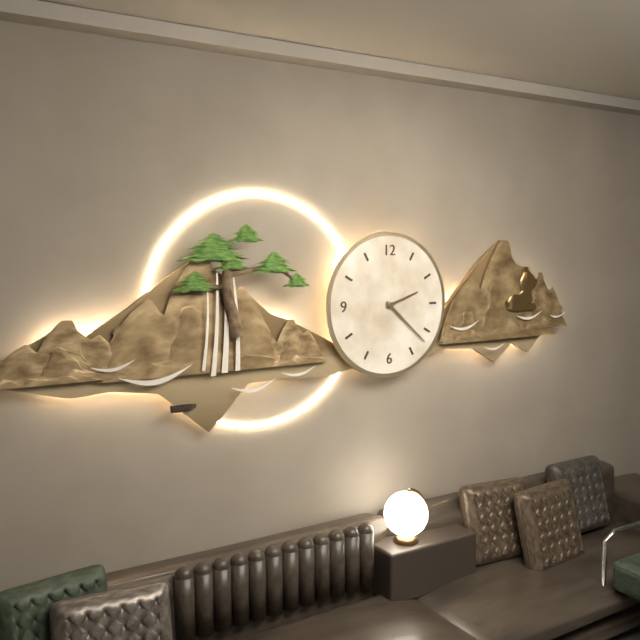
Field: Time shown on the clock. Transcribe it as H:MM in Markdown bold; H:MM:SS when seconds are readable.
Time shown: **2:22**
